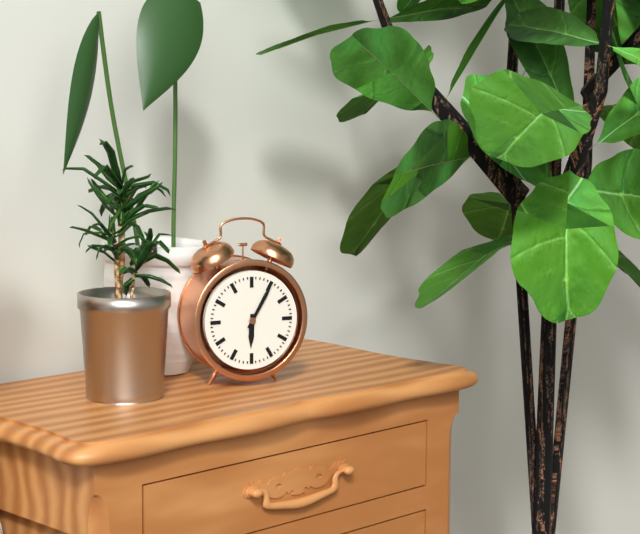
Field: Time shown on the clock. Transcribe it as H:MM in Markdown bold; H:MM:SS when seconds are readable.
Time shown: **6:05**
